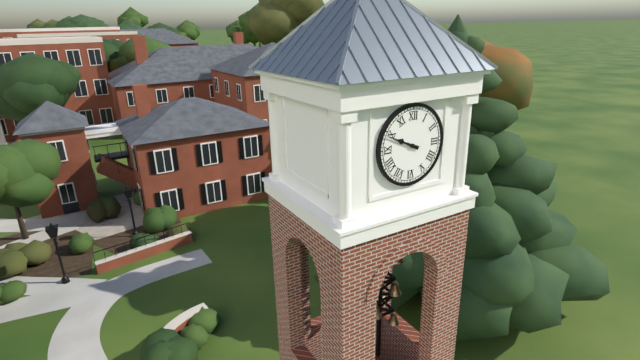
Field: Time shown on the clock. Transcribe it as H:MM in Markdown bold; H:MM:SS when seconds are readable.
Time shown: **9:49**
